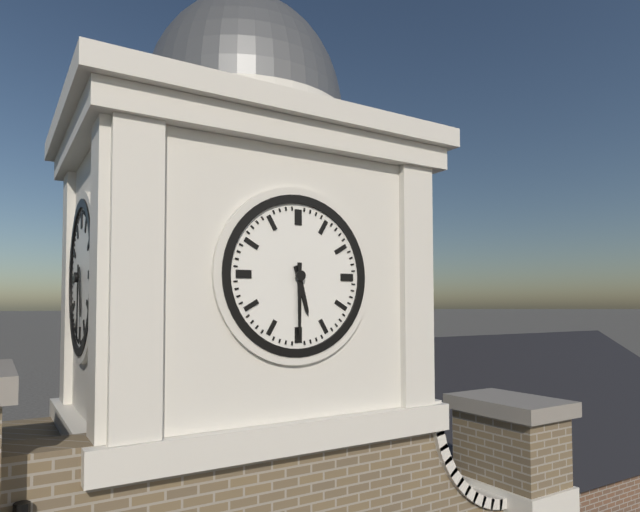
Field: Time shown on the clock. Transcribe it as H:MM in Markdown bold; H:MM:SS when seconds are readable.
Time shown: **5:30**
